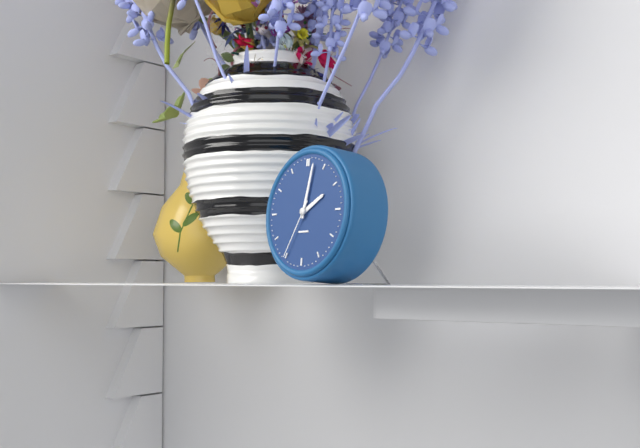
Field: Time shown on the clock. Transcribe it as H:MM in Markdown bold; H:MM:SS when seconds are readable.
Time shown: **2:02:35**
